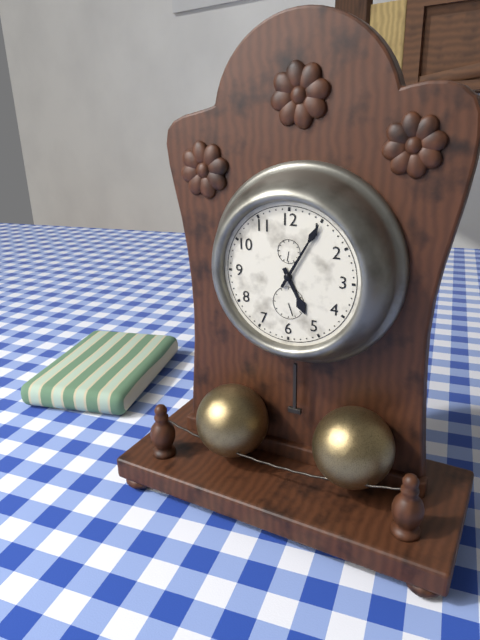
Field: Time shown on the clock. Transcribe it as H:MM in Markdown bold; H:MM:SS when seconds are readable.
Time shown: **5:05**
